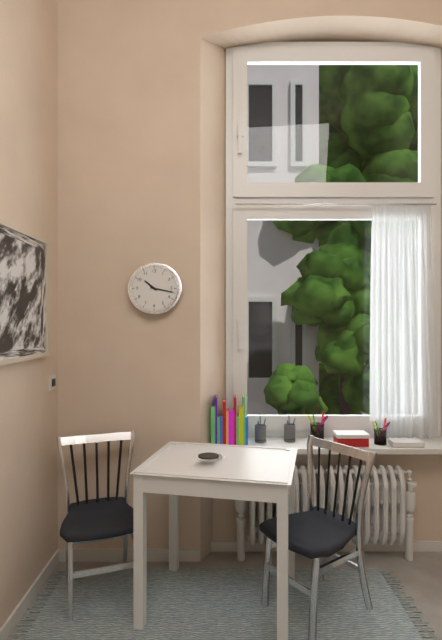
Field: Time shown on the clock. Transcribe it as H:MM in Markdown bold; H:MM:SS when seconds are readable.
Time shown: **10:17**
